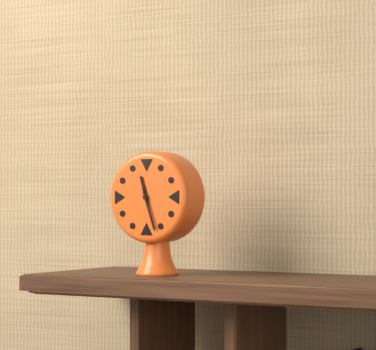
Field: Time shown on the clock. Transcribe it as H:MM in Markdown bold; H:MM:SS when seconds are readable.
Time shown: **11:27**
